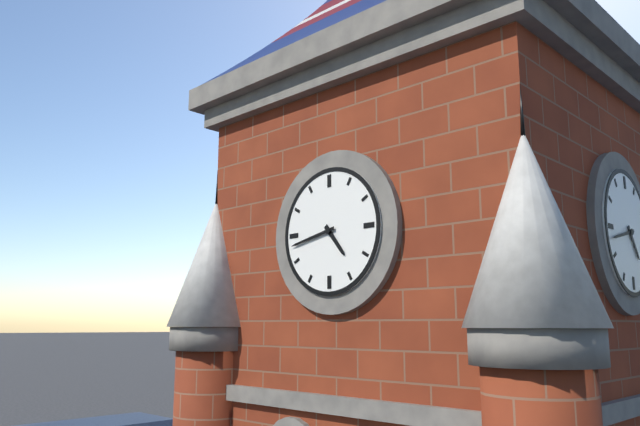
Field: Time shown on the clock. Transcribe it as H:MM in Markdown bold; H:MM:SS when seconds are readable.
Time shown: **4:43**
